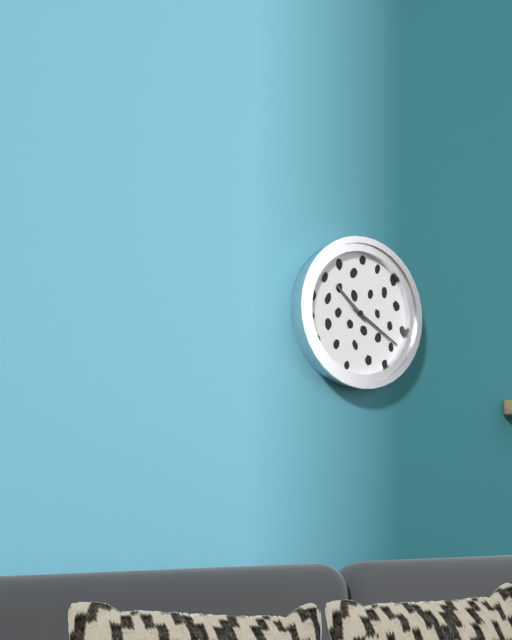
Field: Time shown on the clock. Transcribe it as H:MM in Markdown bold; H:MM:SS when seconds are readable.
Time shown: **10:20**
